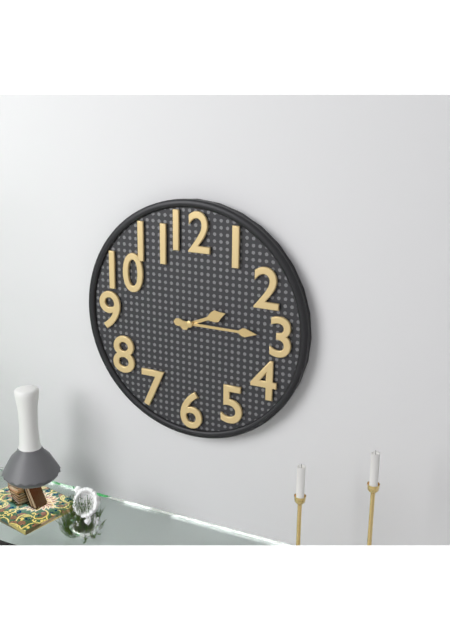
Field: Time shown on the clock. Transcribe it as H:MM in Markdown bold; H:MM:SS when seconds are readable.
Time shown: **2:15**
